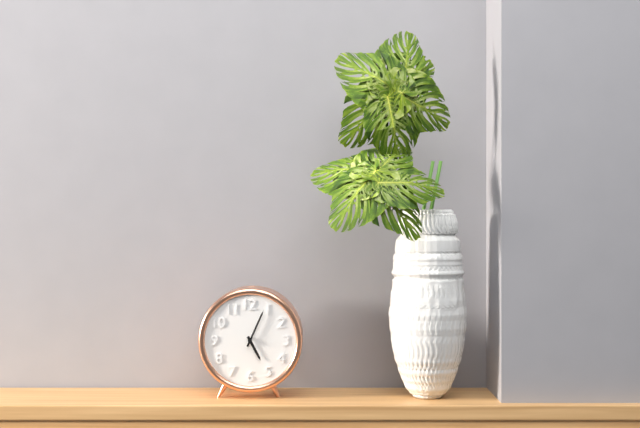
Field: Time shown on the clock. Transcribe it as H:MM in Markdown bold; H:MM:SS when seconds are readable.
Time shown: **5:04**
